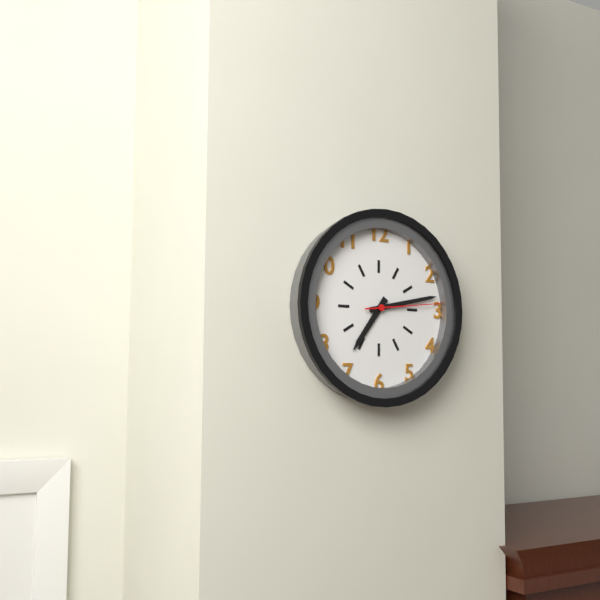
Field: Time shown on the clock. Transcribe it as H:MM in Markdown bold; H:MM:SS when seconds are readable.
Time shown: **7:13:14**
